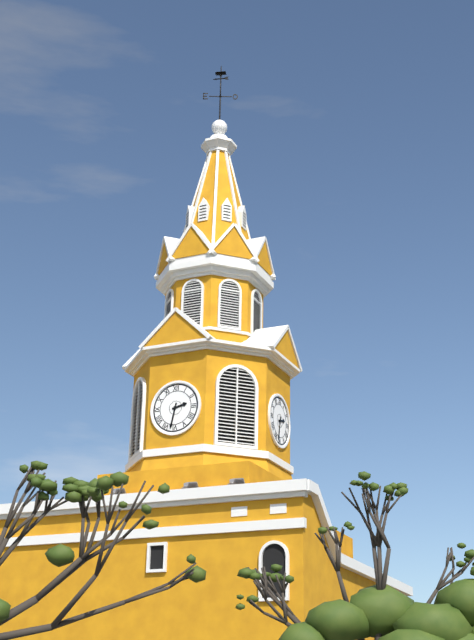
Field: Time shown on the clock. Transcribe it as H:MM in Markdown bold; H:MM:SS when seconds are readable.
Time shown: **2:32**
